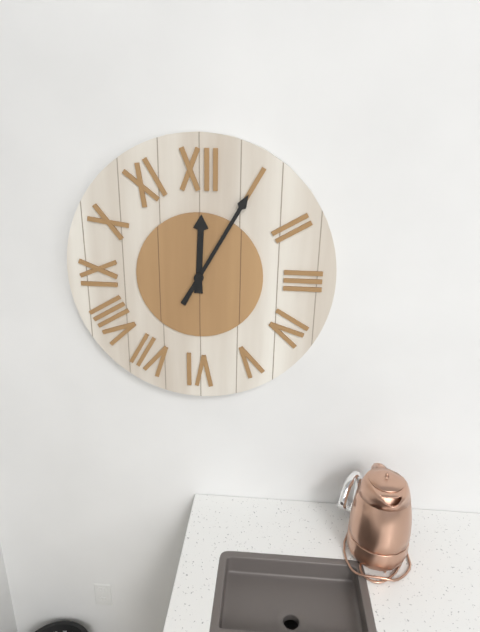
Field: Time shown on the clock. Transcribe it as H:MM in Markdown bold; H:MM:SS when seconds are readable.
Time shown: **12:05**
